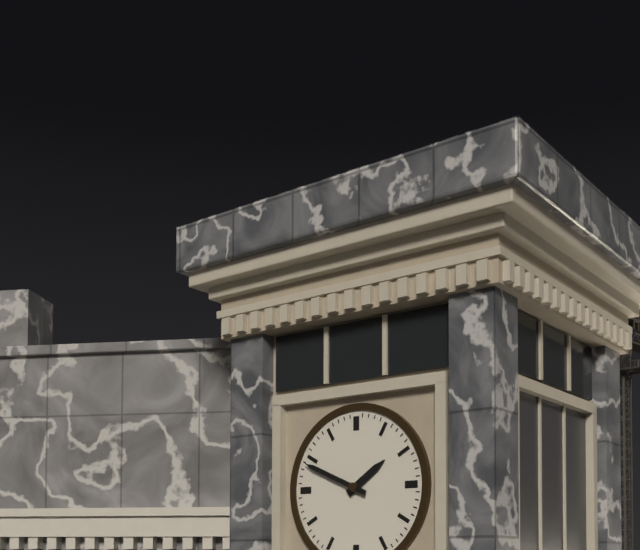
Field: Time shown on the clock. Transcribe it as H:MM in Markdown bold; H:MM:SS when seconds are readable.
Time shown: **1:49**
